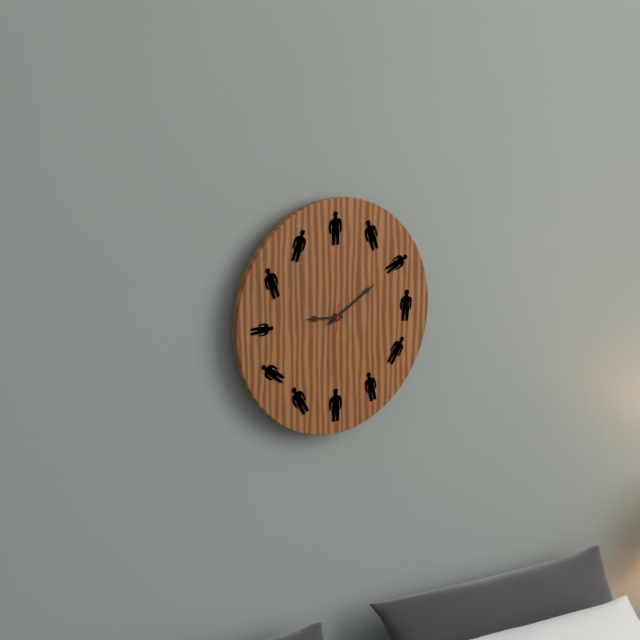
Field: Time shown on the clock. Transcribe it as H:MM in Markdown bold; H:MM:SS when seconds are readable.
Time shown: **9:10:31**
